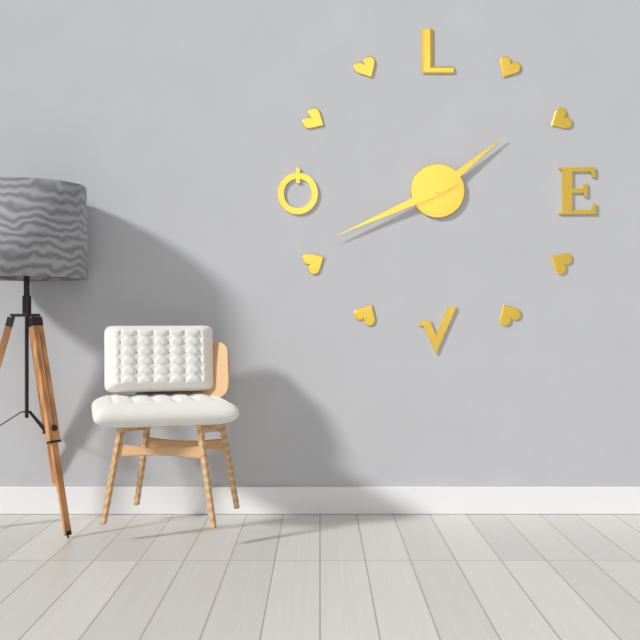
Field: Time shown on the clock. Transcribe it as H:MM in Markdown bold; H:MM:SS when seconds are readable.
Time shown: **1:41**
